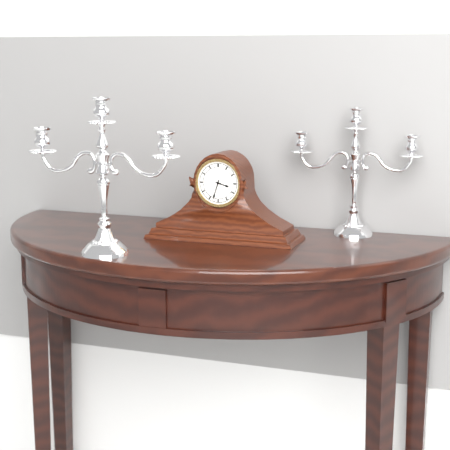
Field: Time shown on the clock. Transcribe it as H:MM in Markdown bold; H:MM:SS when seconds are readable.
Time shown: **3:33**
